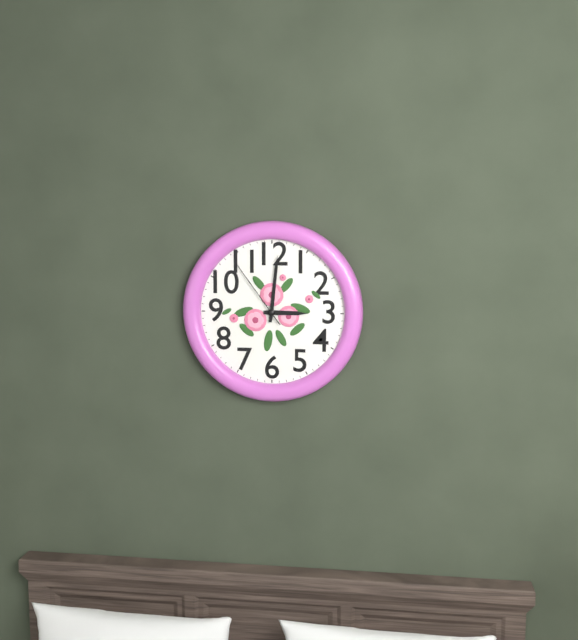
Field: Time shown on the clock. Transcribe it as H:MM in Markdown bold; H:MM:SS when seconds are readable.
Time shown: **3:01:54**
